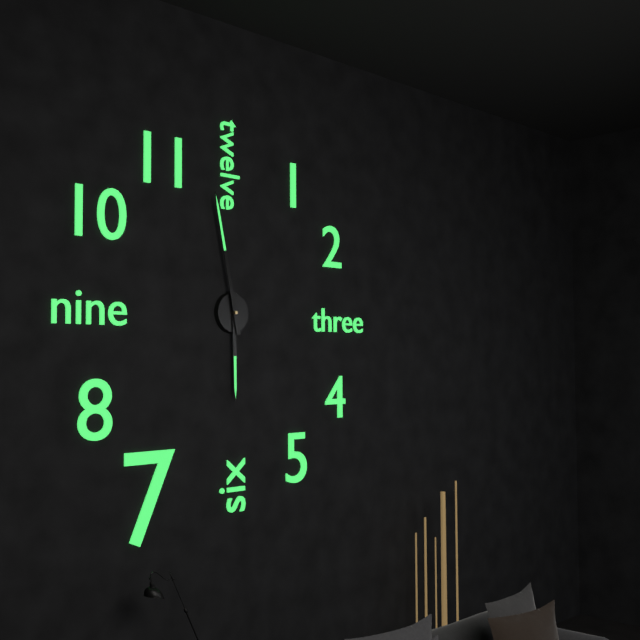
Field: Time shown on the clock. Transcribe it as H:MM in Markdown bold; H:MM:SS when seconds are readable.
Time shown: **5:58**
